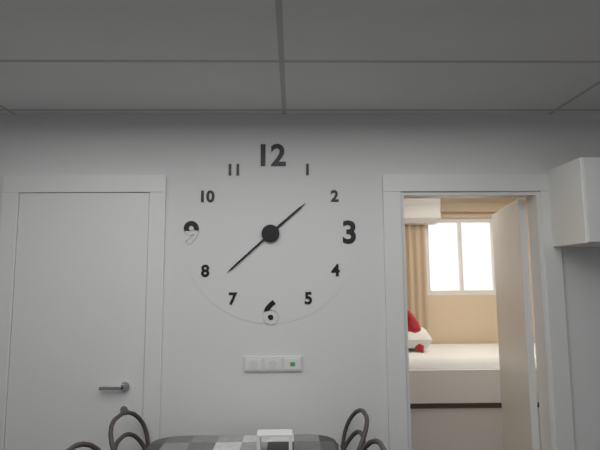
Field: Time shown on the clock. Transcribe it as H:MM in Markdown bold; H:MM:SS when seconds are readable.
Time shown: **1:38**
